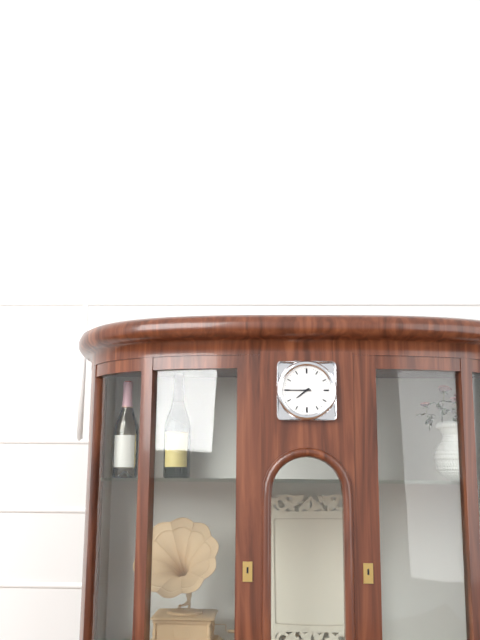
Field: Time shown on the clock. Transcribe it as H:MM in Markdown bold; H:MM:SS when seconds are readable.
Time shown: **7:45**
